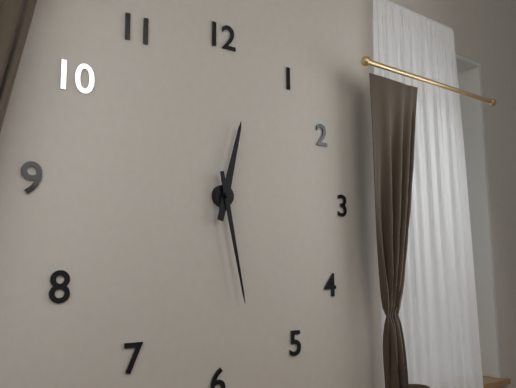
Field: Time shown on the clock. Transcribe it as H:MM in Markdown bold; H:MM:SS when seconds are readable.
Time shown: **12:28**
